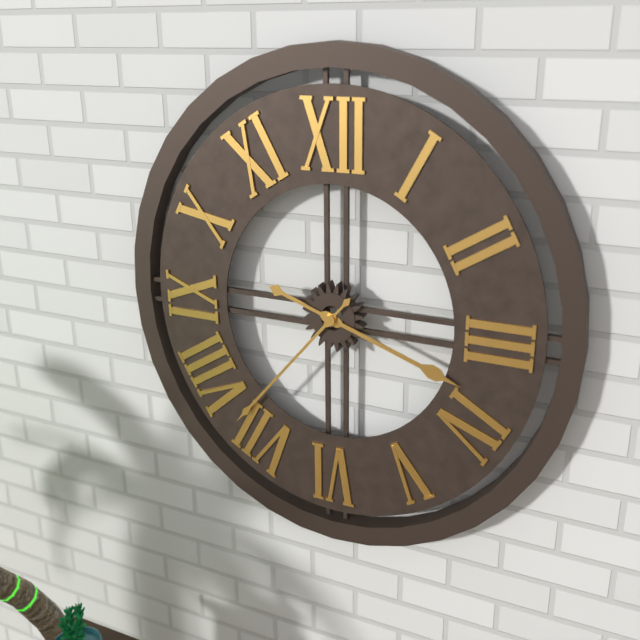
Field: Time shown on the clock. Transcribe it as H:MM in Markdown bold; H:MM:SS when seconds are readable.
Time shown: **3:37**
